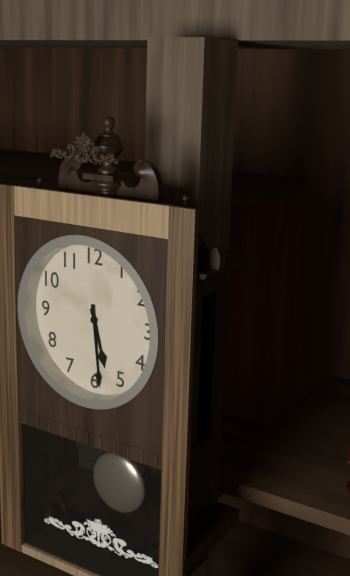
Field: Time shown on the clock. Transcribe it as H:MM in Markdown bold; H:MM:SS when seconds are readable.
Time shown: **5:29**
